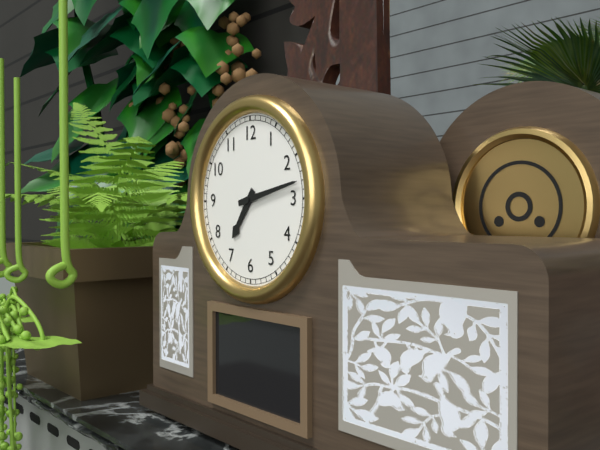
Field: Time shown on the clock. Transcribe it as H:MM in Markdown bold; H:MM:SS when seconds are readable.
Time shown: **7:13**
